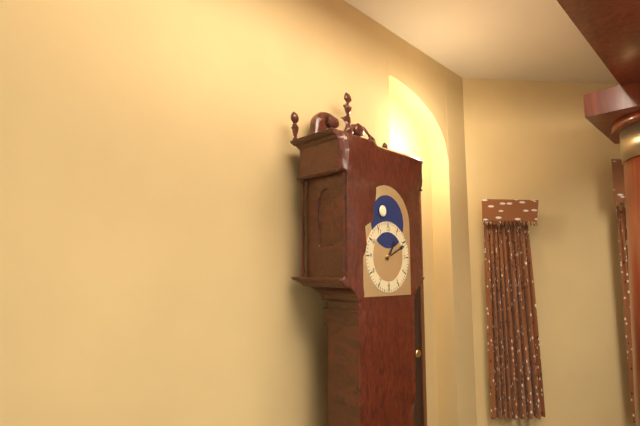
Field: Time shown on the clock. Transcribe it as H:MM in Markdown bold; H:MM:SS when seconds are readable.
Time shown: **1:11**
